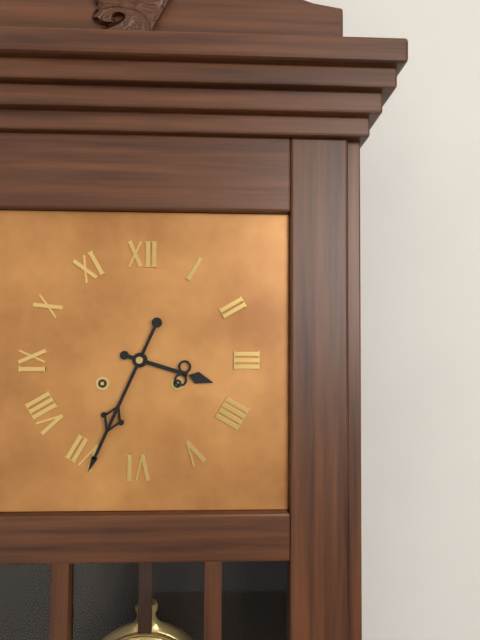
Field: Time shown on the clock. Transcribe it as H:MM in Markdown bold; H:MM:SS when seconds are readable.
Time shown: **3:34**
